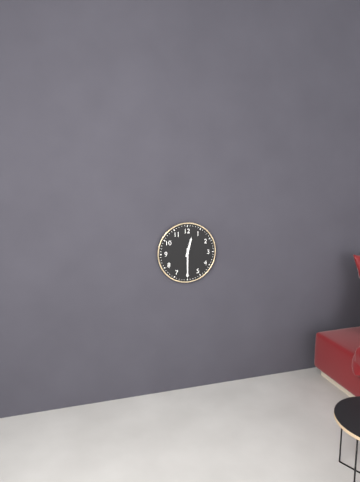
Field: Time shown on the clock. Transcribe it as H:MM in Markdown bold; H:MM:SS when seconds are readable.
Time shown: **12:30**
